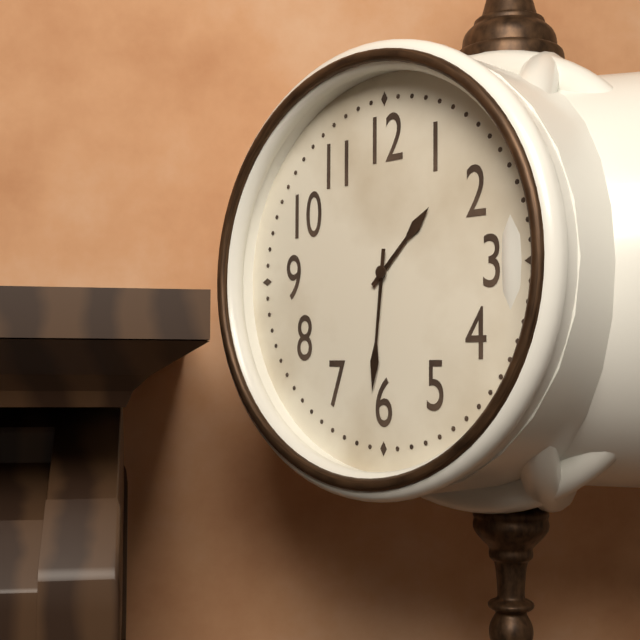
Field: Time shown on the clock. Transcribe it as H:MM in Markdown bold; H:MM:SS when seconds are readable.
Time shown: **1:31**
